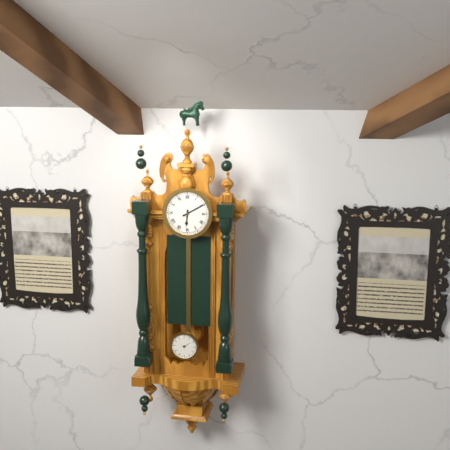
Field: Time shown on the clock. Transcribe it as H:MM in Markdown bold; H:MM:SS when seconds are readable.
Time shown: **6:10**
